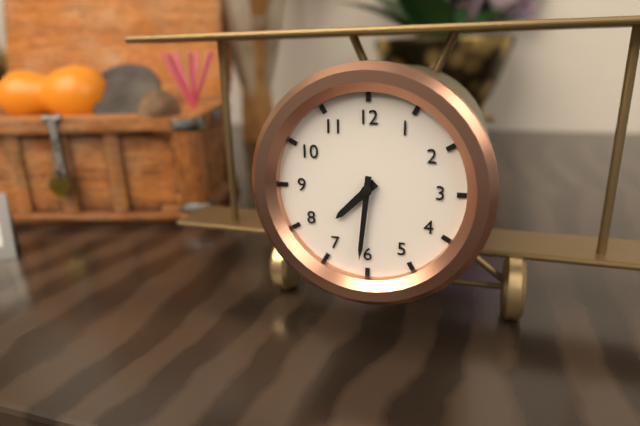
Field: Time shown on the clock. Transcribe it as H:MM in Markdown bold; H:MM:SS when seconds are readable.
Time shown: **7:31**
